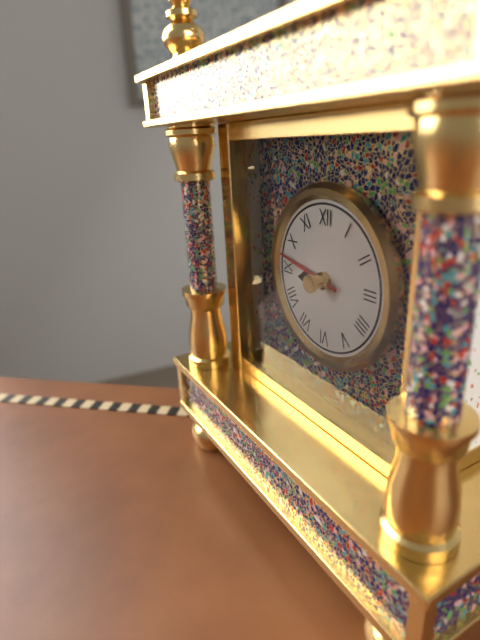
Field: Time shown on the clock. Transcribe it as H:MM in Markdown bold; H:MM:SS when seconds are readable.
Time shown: **8:47**
